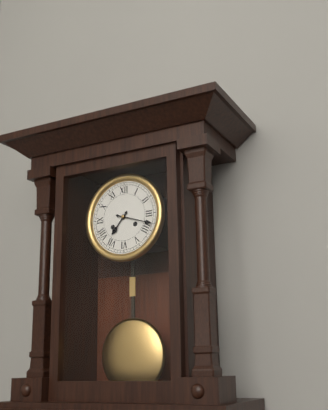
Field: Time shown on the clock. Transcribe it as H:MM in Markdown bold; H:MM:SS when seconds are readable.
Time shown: **7:18**
